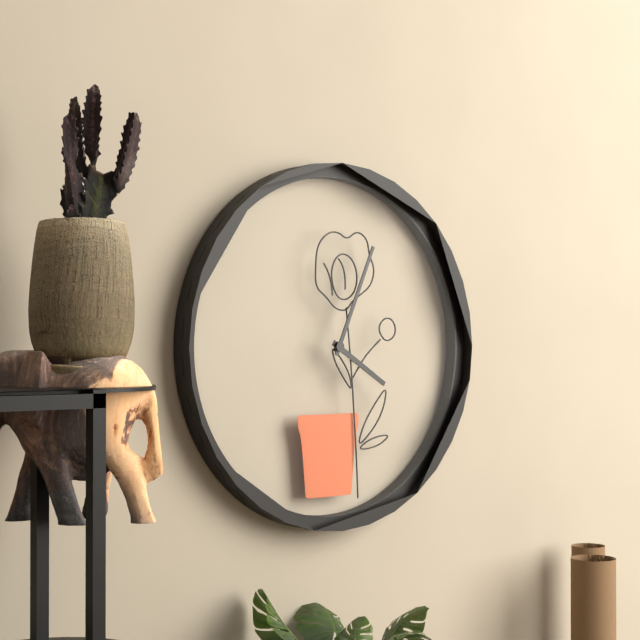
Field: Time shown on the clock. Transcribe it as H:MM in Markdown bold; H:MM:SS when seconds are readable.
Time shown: **4:04**
